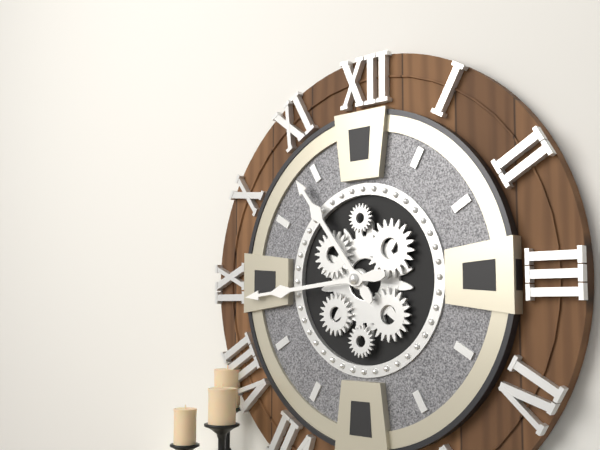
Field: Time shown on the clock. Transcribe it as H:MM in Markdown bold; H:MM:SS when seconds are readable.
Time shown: **10:44**
